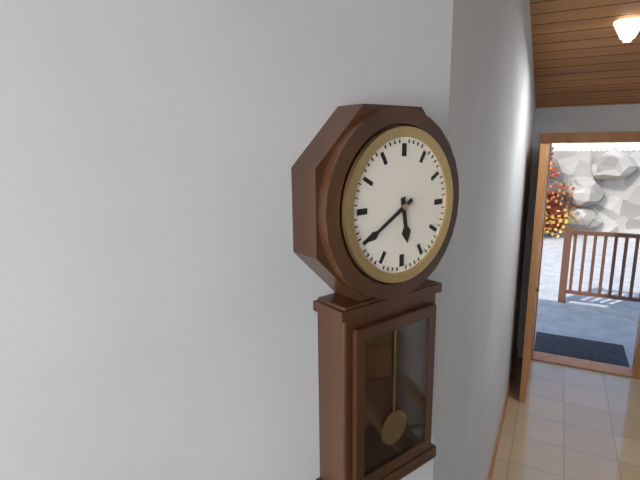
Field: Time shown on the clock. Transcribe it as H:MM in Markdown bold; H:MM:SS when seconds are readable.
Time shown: **5:40**
